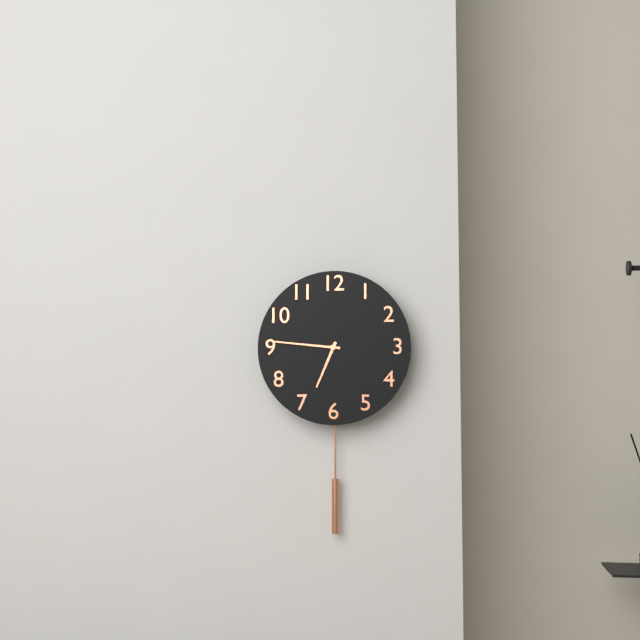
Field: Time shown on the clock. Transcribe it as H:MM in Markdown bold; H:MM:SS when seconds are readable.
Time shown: **6:46**
